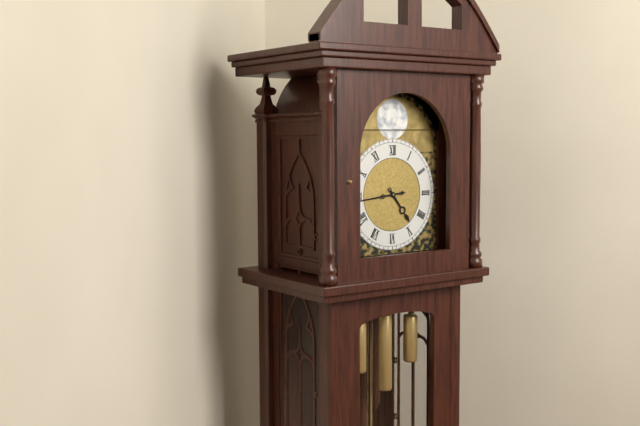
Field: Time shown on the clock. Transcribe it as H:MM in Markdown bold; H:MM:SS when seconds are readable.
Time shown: **4:44**
